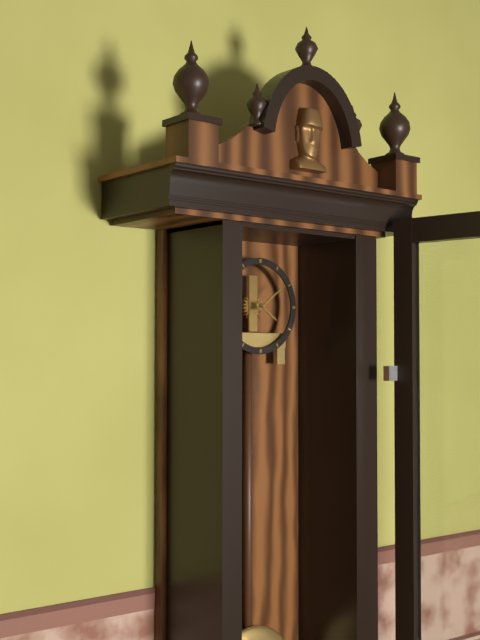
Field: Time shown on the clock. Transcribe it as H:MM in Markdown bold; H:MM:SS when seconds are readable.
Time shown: **4:09**
